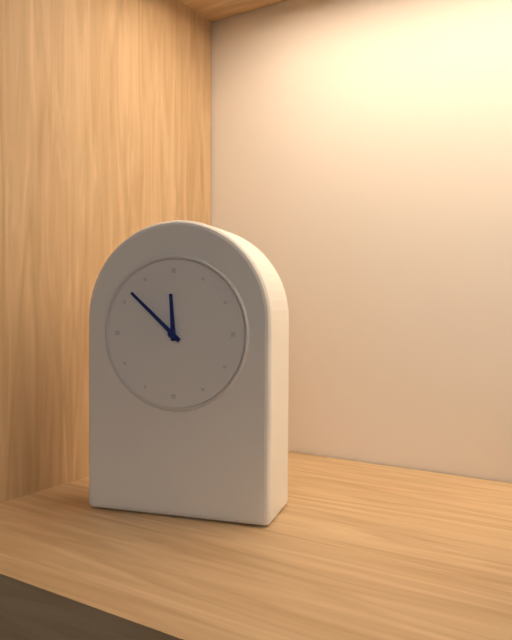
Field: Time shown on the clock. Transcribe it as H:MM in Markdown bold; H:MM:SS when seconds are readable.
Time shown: **11:52**
